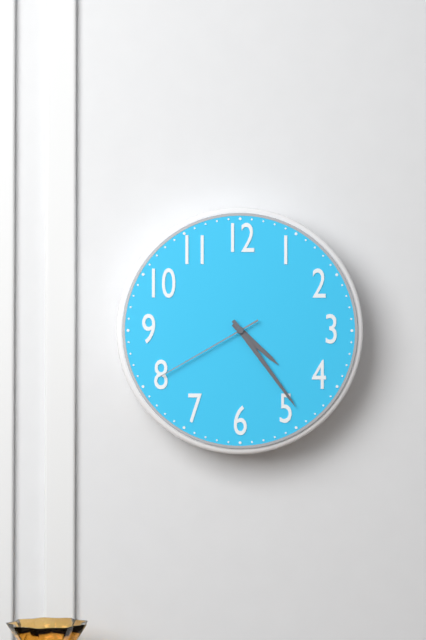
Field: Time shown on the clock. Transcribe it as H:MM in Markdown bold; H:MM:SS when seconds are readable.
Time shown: **4:24:40**
